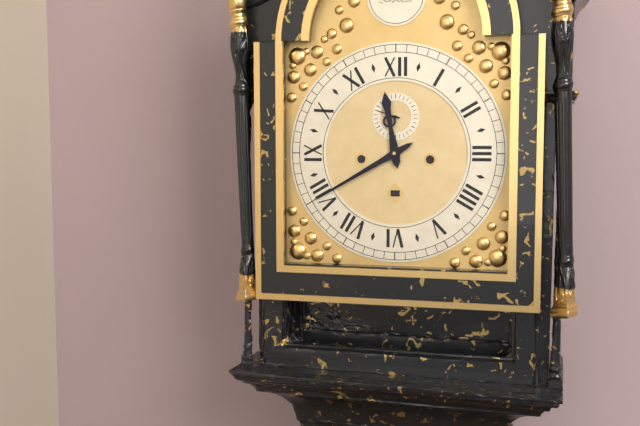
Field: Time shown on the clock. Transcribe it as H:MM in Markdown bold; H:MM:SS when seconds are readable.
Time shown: **11:40**
